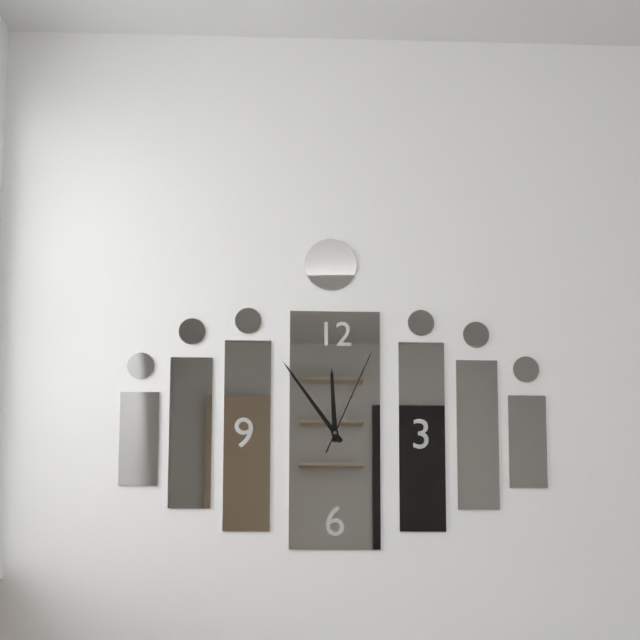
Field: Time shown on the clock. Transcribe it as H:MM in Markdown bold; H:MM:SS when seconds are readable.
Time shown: **11:54:04**
